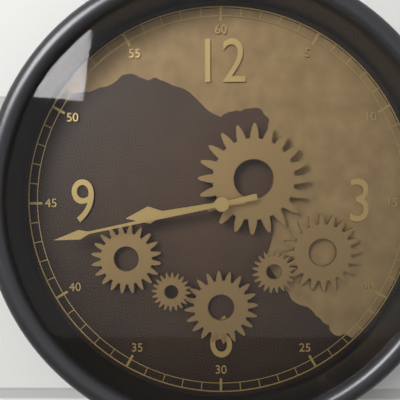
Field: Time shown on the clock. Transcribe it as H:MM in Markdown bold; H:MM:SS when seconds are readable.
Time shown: **8:43**
